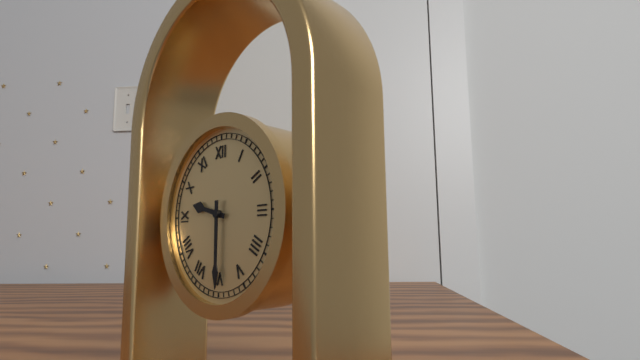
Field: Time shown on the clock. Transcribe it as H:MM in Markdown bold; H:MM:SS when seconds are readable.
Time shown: **9:30**
